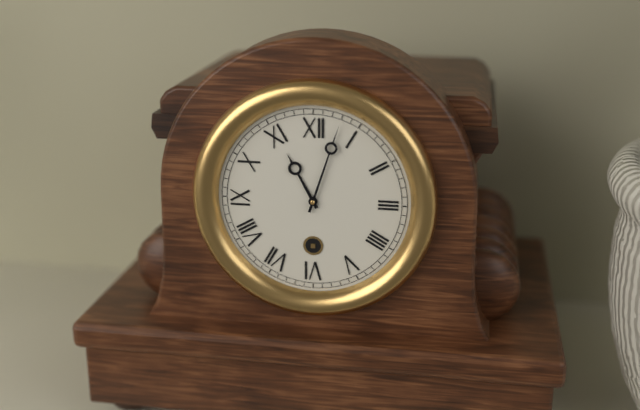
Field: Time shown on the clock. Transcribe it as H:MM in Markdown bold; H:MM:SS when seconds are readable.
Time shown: **11:03**
